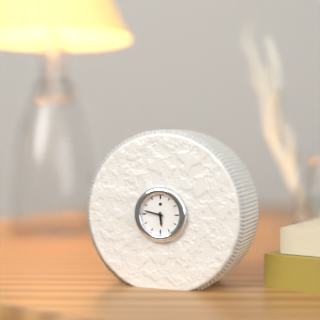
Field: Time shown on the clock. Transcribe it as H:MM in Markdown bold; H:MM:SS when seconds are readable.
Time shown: **5:47**
